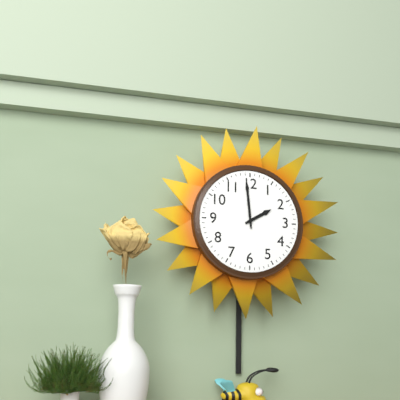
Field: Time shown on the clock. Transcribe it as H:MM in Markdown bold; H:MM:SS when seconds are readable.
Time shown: **1:59**
